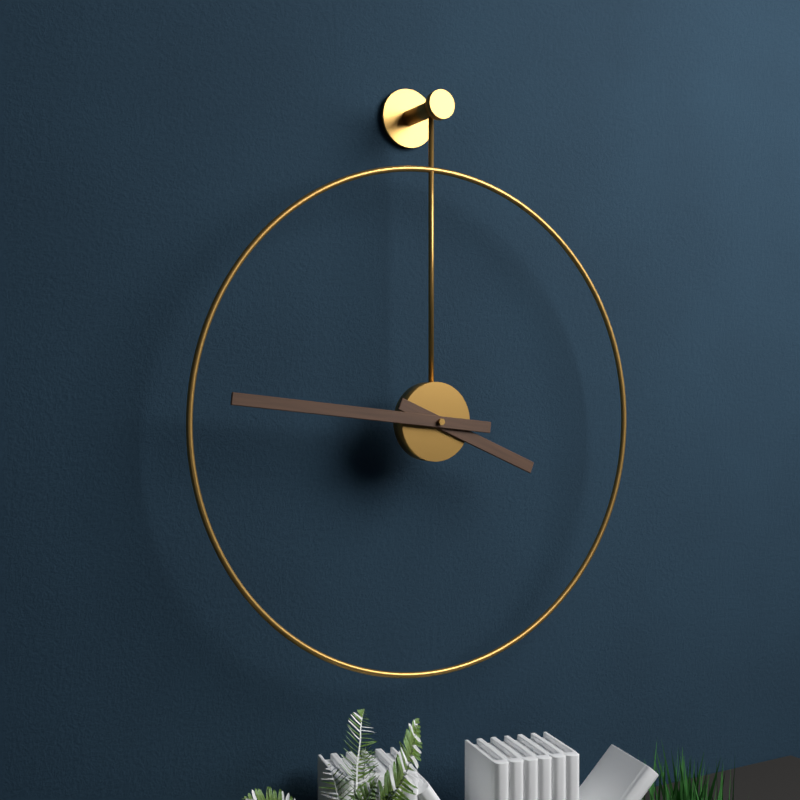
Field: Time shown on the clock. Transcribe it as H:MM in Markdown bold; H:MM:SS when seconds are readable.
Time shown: **3:46**
